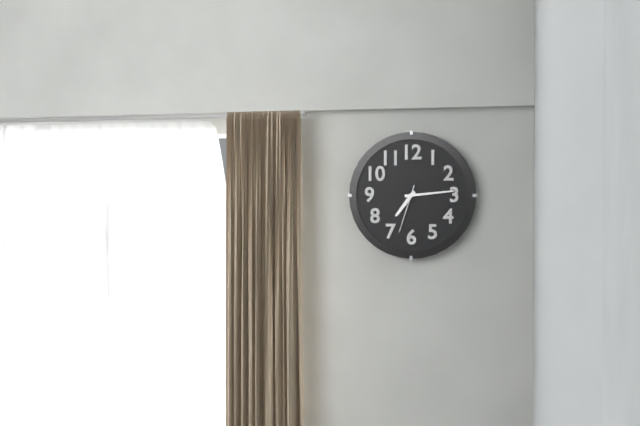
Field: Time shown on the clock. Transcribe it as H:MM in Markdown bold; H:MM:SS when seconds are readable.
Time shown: **7:14**
